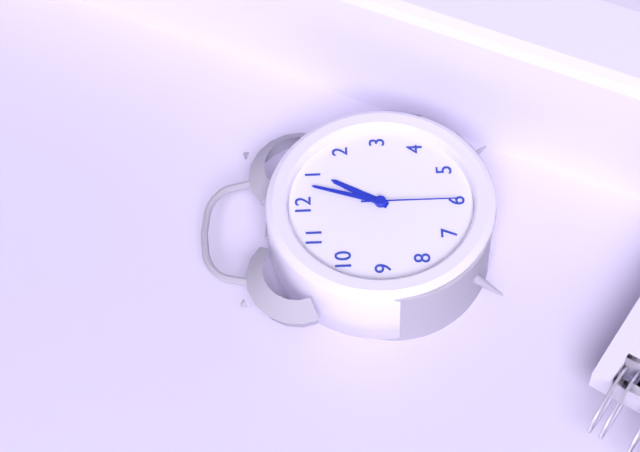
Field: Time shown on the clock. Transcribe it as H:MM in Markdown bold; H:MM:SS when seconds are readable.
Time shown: **1:03:30**
